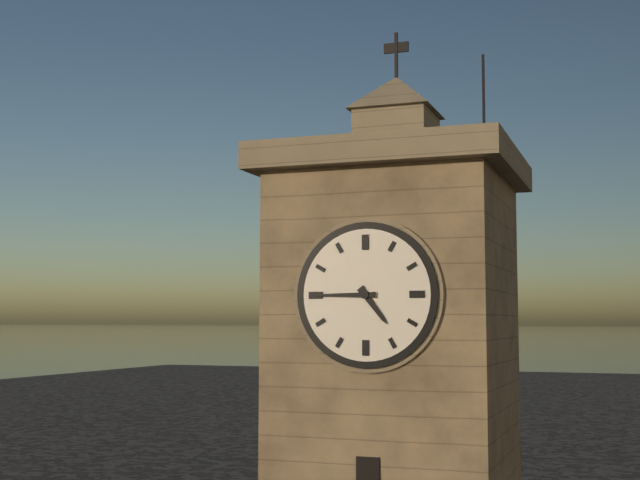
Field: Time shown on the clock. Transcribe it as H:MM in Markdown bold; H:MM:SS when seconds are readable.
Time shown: **4:45**
